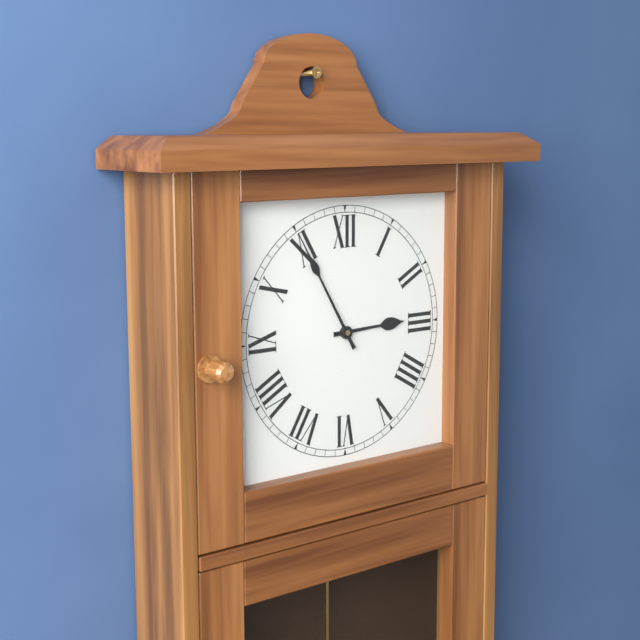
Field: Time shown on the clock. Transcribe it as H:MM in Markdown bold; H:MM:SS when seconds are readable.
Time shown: **2:55**
